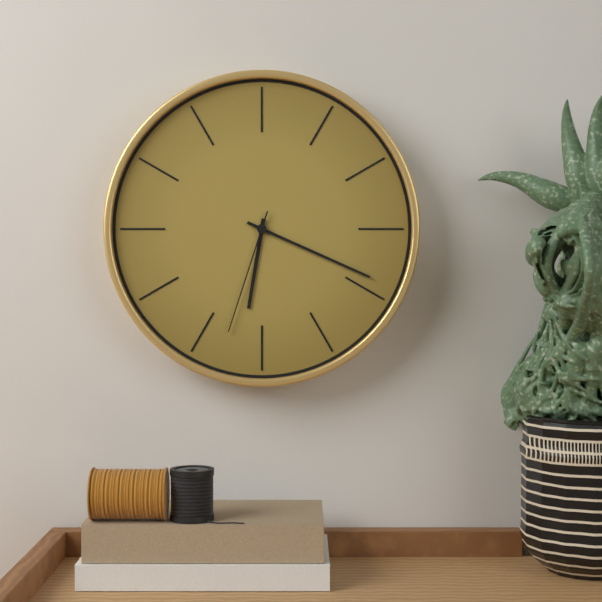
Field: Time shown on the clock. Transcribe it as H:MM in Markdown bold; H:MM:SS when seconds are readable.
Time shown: **6:19:33**
